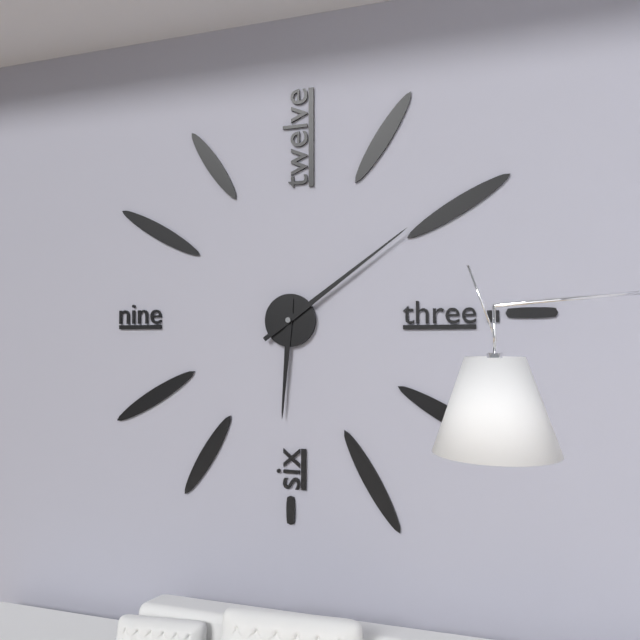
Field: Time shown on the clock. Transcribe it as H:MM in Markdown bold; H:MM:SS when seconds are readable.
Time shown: **6:09**
